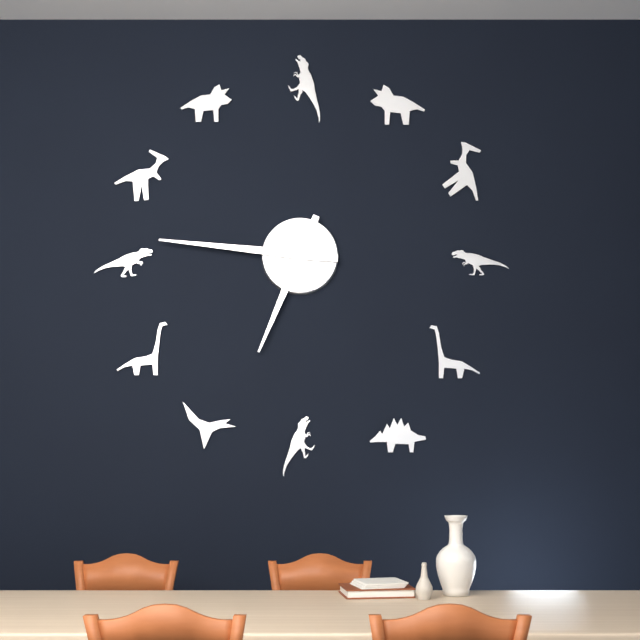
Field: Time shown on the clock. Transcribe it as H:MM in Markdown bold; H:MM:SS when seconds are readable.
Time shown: **6:46**
